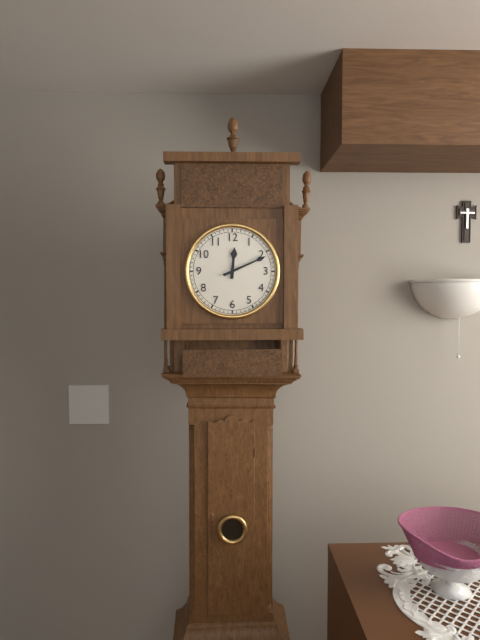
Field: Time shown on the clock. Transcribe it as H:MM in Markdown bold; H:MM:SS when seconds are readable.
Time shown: **12:11**
